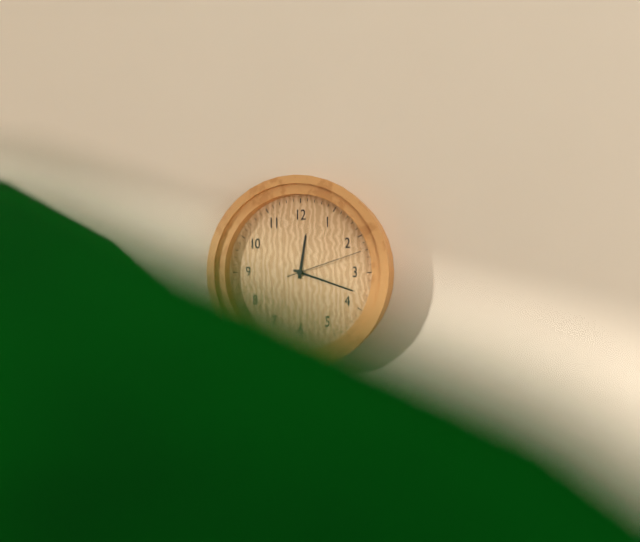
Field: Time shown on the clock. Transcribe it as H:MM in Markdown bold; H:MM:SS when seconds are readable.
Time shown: **12:18:12**
